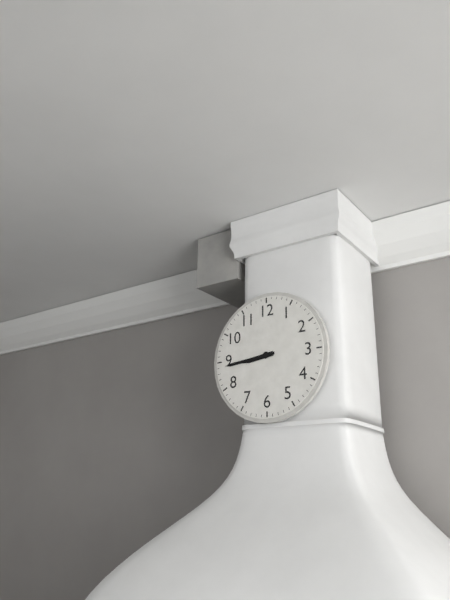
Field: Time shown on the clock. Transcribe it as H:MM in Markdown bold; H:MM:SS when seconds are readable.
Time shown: **8:44**
